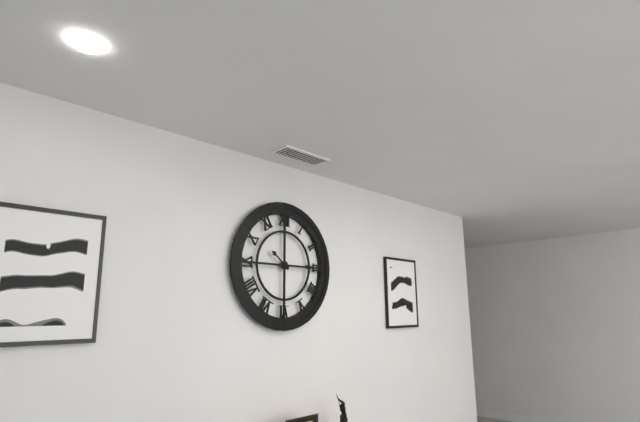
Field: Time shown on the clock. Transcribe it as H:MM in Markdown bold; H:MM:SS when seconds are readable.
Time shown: **10:15**
